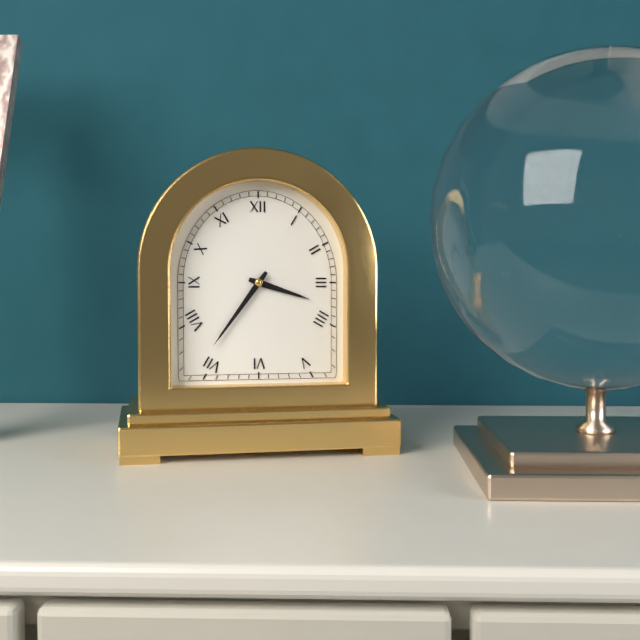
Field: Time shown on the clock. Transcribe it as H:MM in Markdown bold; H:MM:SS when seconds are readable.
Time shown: **3:36**
